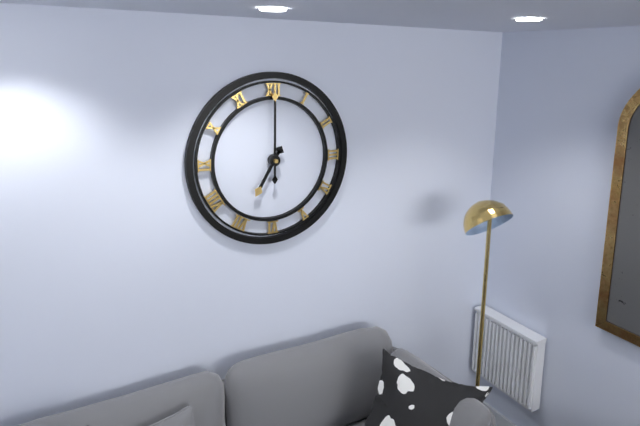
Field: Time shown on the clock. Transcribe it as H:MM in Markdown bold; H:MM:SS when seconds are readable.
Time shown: **7:00**
